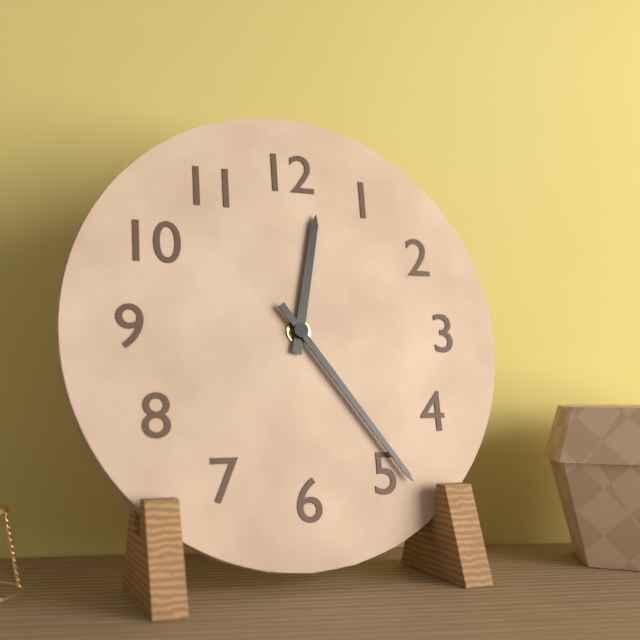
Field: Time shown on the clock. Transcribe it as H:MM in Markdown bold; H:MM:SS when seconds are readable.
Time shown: **12:24**
